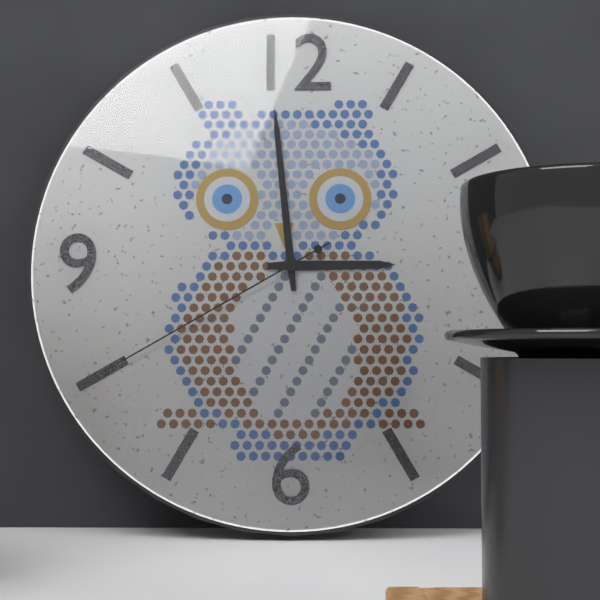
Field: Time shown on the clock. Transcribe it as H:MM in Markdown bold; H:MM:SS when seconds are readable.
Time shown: **2:59:40**
